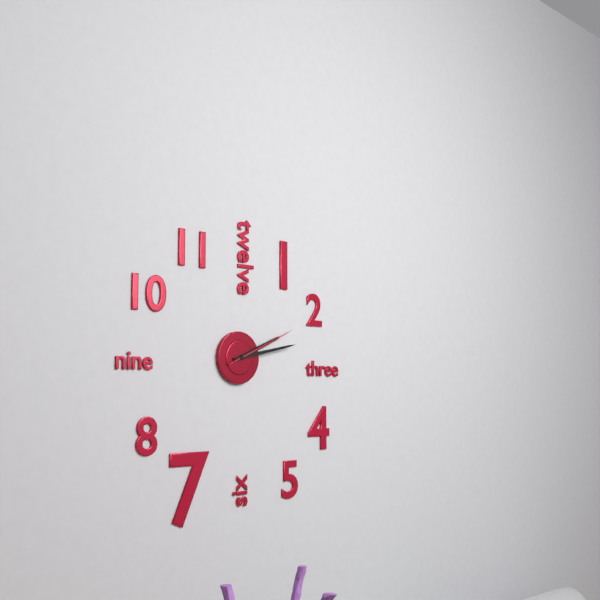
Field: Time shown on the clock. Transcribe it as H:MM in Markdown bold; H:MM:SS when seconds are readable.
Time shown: **2:13:11**
